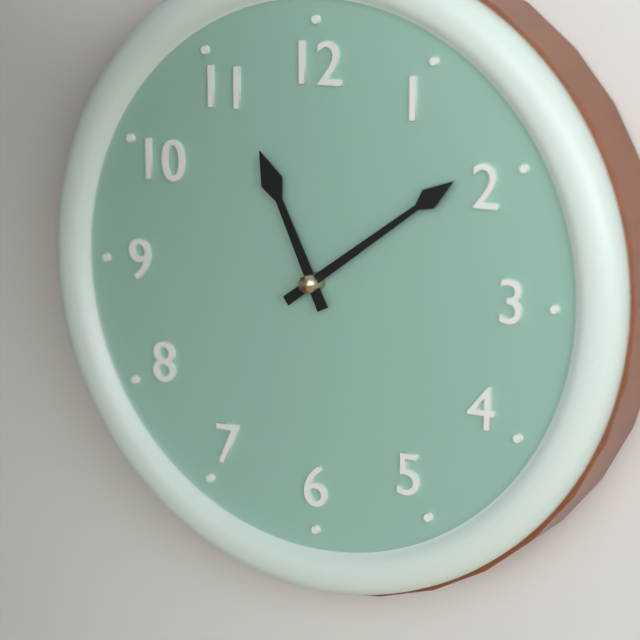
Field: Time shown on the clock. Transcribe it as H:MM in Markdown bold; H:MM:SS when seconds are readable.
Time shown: **11:09**
